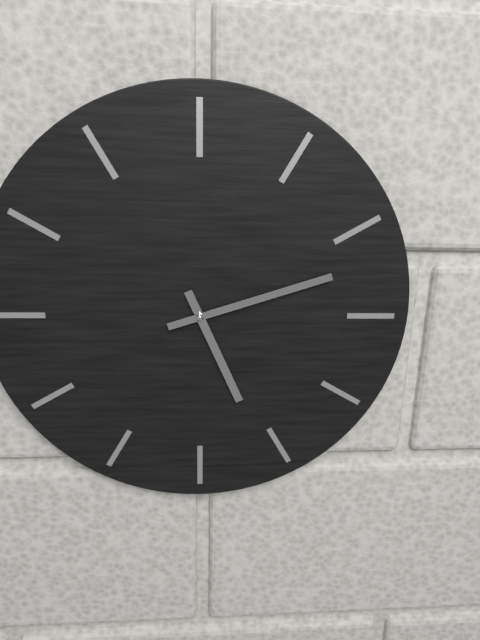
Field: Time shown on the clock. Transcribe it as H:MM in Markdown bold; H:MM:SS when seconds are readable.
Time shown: **5:12**
